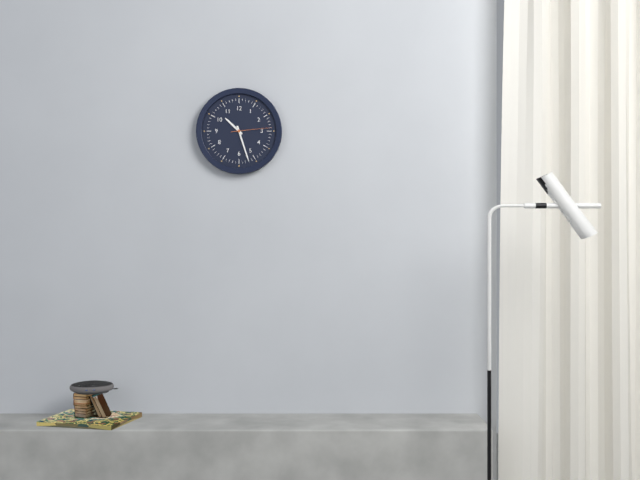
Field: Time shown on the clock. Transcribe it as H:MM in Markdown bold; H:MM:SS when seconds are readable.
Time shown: **10:27**
